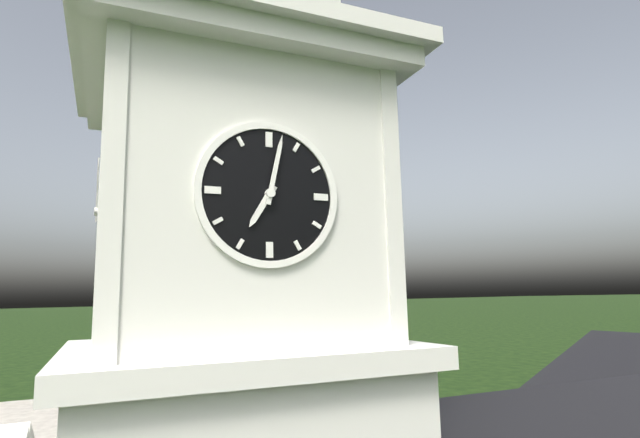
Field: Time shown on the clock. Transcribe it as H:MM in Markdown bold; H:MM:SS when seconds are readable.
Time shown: **7:02**
